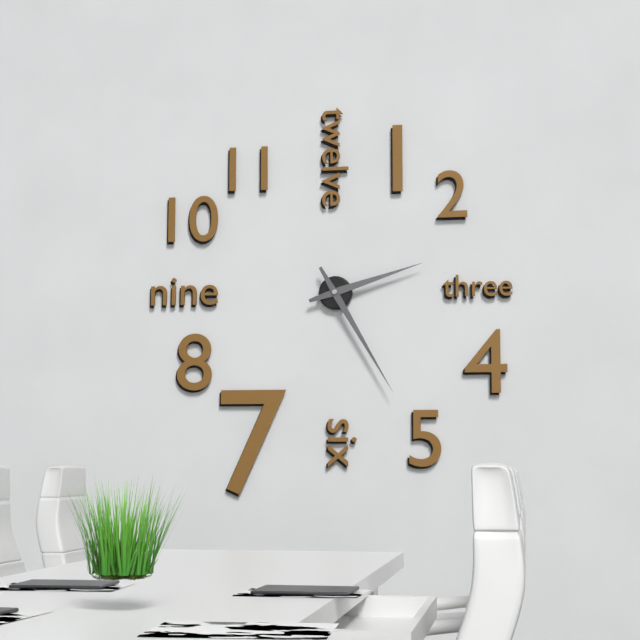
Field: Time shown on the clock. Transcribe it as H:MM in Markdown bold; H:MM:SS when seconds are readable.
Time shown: **2:25**
